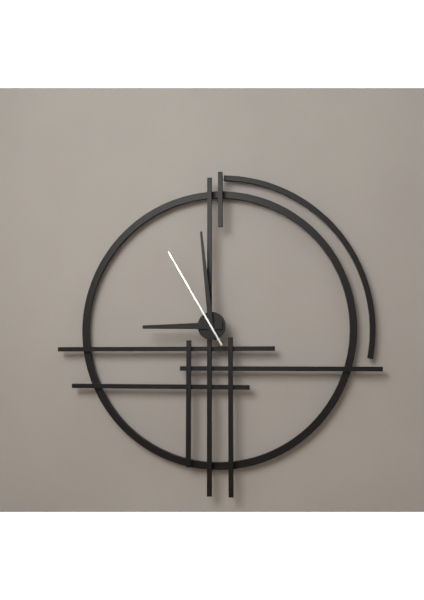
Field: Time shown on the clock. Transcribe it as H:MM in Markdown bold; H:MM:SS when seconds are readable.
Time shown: **8:59:55**
